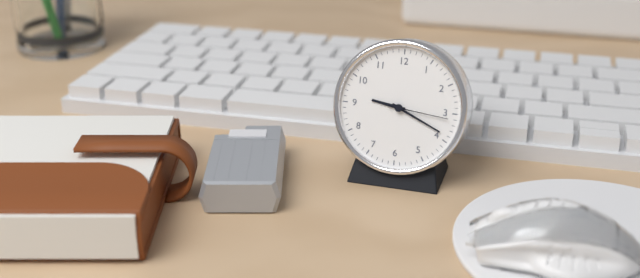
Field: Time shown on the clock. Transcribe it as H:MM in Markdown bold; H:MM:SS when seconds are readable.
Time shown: **9:19:16**
